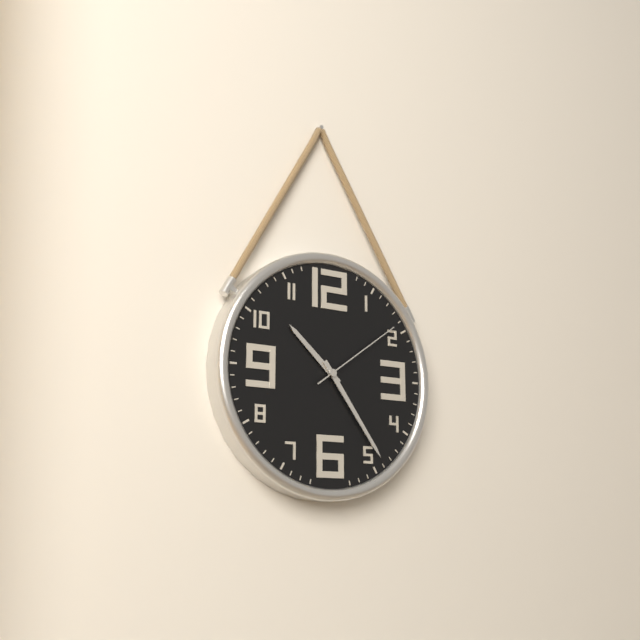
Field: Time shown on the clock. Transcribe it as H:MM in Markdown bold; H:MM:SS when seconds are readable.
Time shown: **10:24:09**
